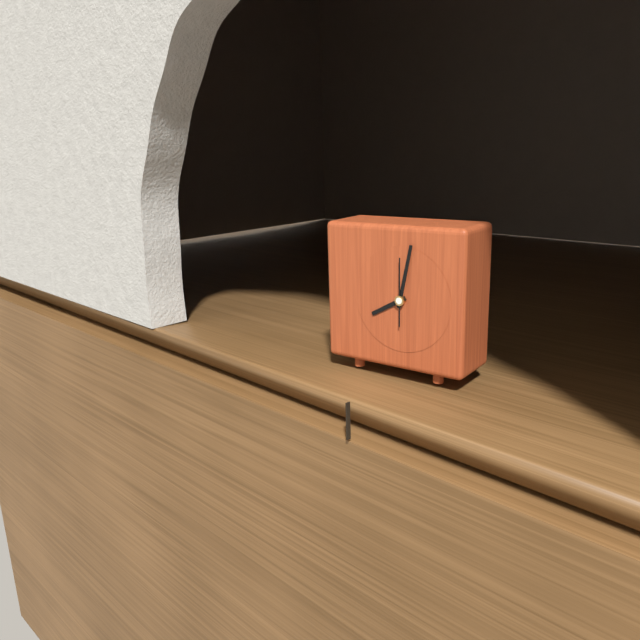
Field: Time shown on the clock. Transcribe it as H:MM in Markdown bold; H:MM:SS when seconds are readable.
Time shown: **8:02:00**
